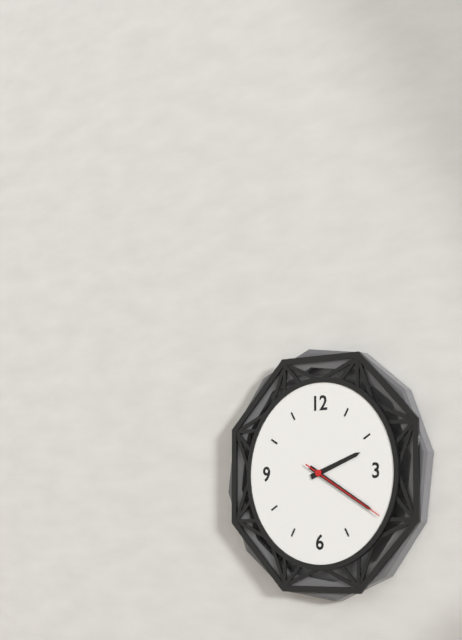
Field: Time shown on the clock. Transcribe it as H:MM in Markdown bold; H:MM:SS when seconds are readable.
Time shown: **2:20:20**
